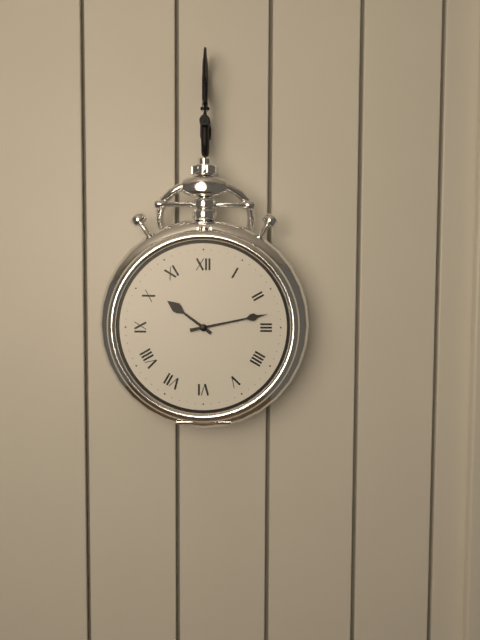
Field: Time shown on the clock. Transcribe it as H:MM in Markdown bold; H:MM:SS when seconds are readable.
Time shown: **10:13**
